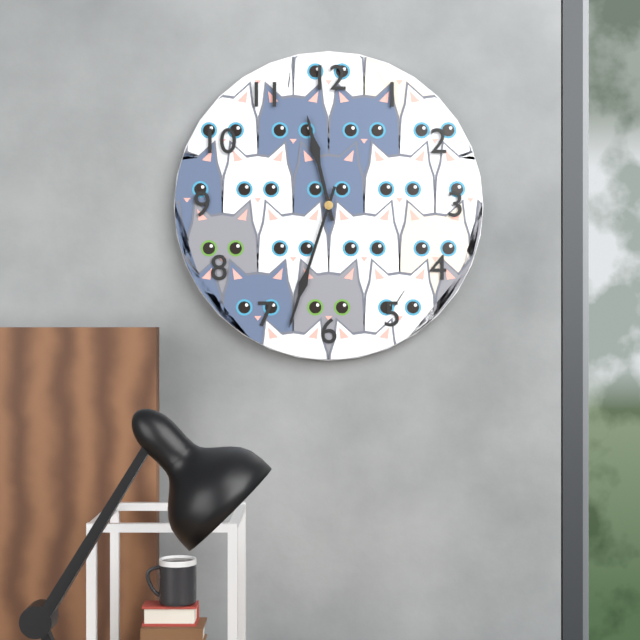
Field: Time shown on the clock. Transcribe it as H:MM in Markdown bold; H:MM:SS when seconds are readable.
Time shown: **11:33**
